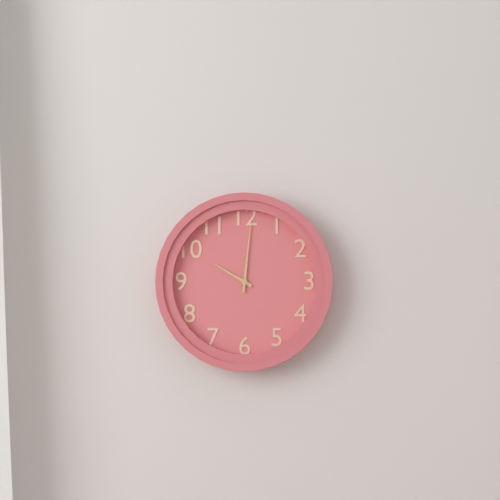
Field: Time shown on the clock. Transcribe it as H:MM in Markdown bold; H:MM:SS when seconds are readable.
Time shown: **10:01**
